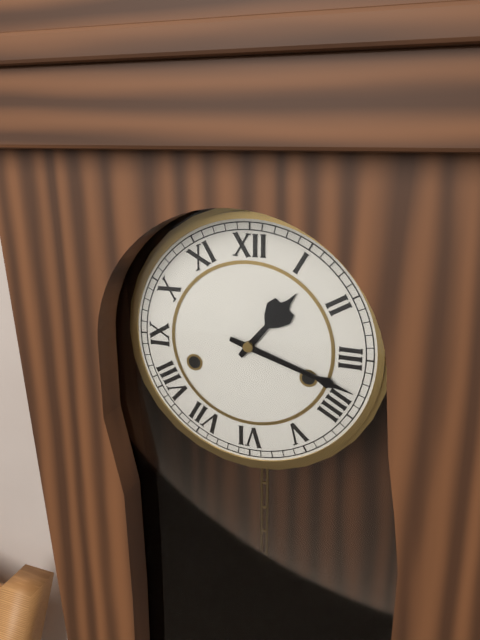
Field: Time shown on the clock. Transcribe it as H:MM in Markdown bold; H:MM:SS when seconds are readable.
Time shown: **1:18**
